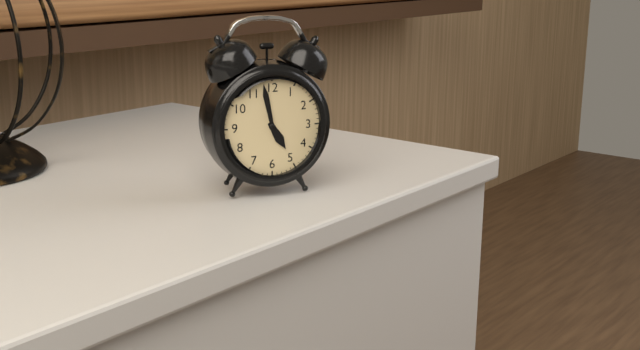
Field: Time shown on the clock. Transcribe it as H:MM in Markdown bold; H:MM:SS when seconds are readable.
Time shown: **4:58**
